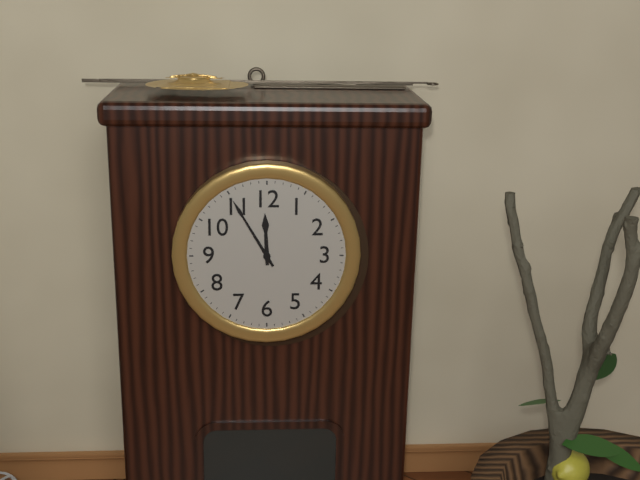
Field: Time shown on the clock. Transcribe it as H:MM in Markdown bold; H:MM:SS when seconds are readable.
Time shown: **11:55**
